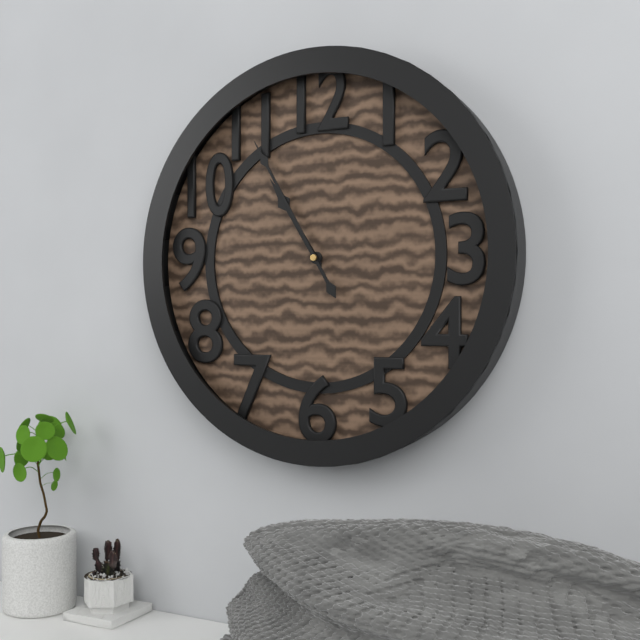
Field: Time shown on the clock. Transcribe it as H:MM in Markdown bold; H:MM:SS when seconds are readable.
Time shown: **10:55**
